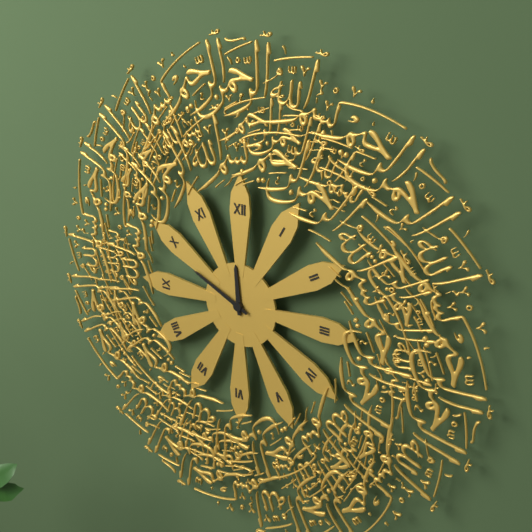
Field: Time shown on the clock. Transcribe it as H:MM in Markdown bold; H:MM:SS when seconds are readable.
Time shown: **11:49**
